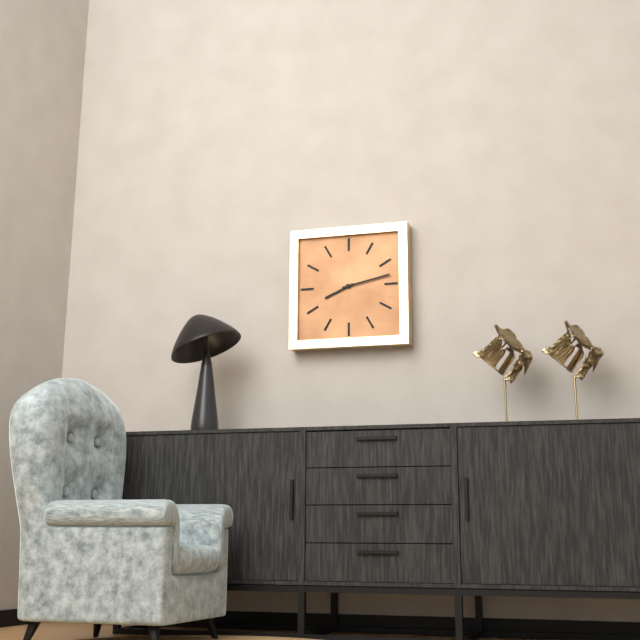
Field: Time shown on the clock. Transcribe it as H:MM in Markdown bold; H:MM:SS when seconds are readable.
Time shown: **8:13**
